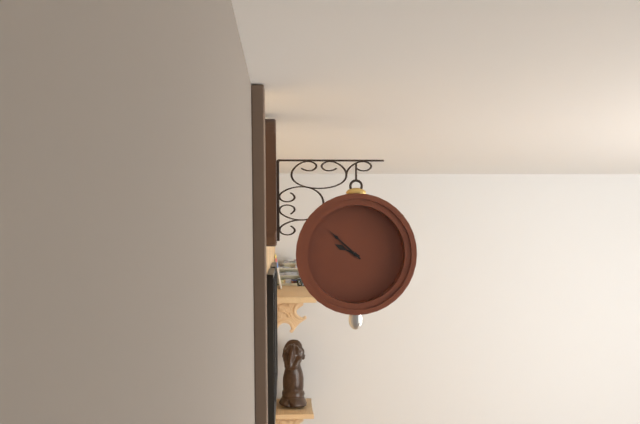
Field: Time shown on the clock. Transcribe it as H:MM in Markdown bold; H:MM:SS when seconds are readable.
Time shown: **9:52**
